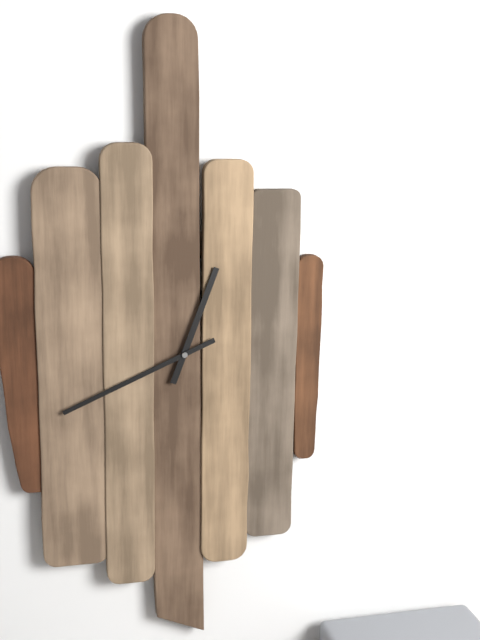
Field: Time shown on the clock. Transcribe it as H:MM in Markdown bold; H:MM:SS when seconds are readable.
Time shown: **12:41**
